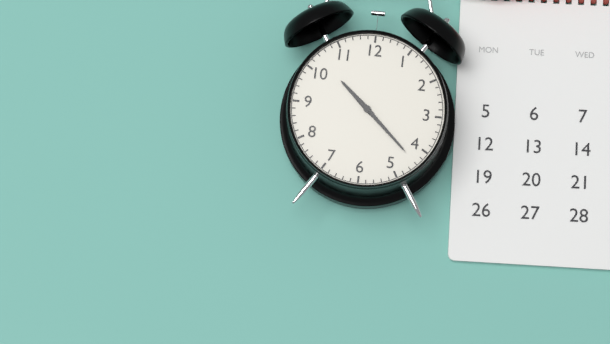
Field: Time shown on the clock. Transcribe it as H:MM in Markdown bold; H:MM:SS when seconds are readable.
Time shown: **10:22**
